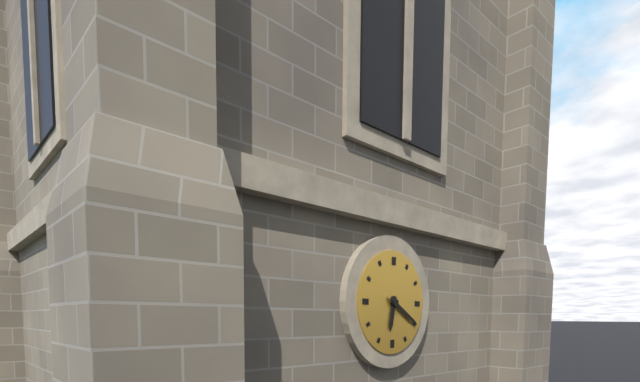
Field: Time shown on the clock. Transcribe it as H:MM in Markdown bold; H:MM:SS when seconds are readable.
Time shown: **6:20**
